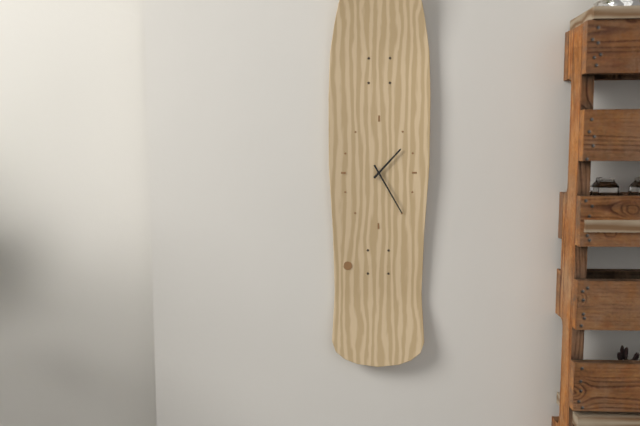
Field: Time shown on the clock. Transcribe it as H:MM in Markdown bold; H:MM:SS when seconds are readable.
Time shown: **1:25**
